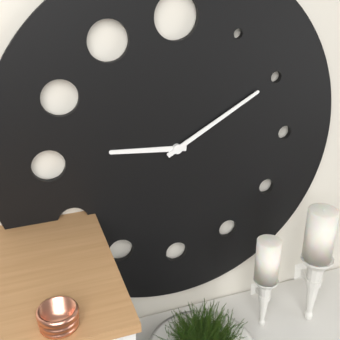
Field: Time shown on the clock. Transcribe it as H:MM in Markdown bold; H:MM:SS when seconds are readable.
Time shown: **9:10**
